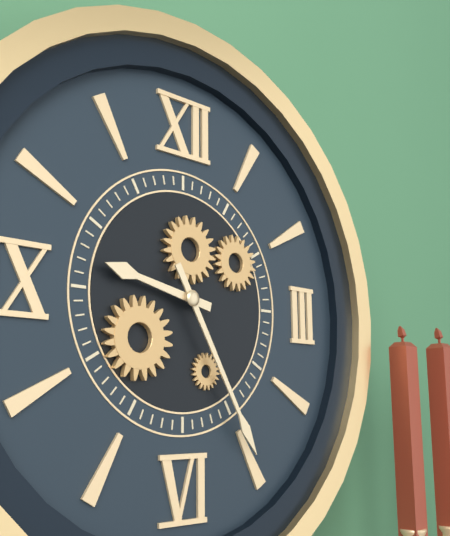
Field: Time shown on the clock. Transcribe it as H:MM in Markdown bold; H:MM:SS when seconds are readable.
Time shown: **9:25**
